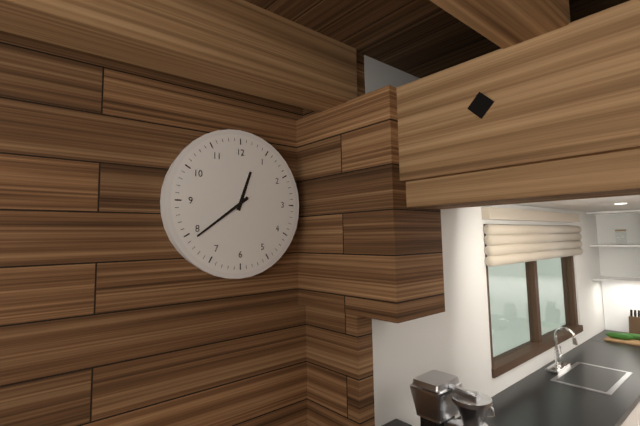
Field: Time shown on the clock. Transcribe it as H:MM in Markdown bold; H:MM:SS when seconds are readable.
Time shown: **12:39**
